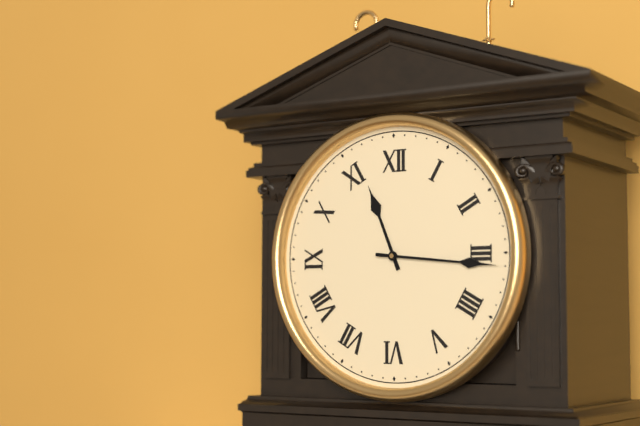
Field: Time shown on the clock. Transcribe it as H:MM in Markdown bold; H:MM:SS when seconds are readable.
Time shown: **11:16**
